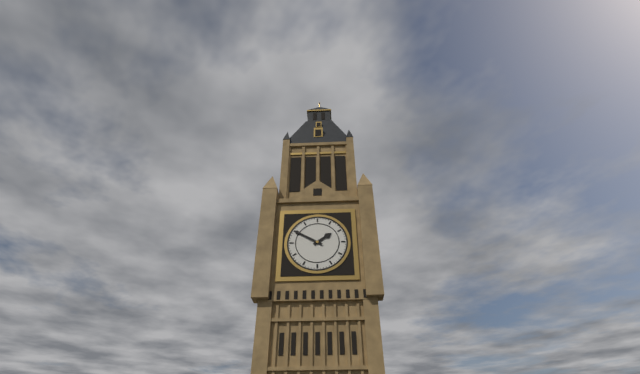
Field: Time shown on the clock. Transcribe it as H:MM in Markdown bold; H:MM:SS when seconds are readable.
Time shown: **1:50**
